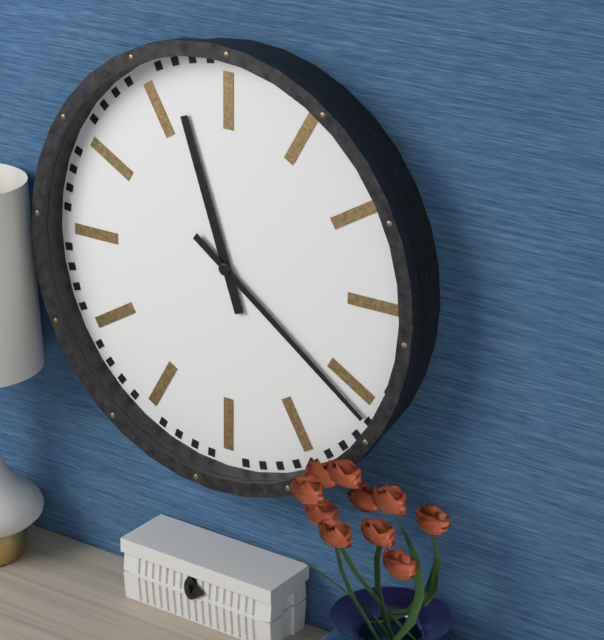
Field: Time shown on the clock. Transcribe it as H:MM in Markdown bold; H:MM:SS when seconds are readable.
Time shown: **11:21**
